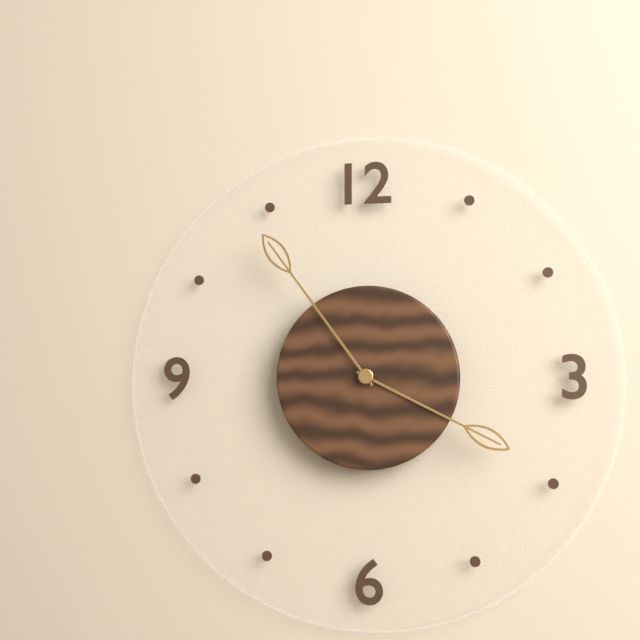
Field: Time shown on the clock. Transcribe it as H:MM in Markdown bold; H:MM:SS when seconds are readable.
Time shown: **3:54**
